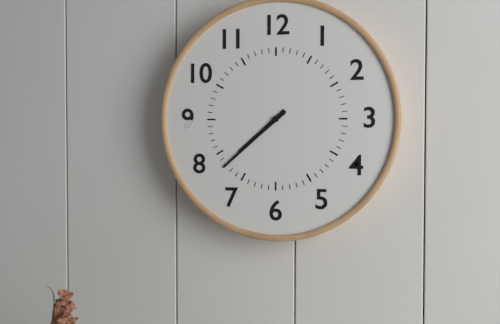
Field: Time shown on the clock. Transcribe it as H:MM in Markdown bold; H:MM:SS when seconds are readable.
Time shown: **7:38**
